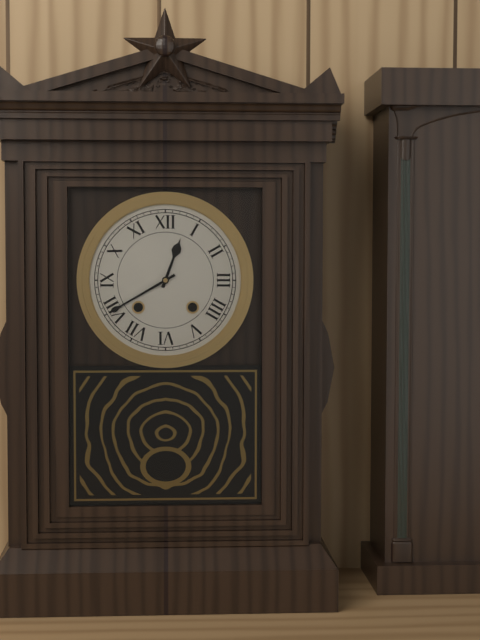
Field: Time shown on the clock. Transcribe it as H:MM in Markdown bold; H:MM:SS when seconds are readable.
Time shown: **12:40**
